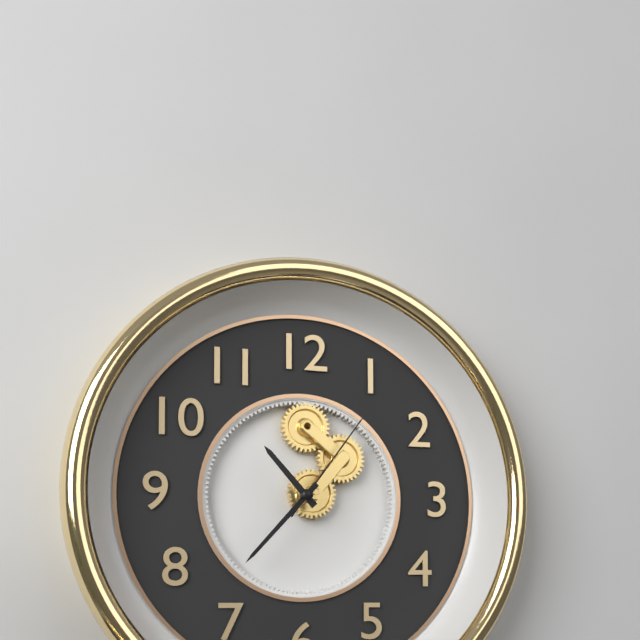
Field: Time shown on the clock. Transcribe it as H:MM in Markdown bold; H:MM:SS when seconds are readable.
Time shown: **10:37:06**
